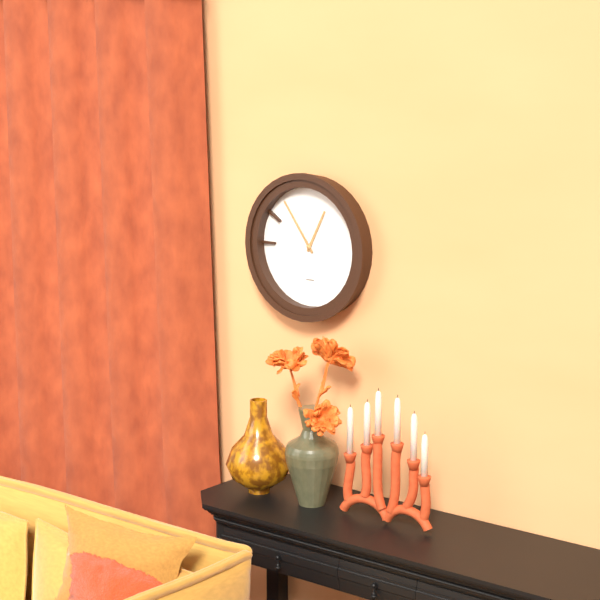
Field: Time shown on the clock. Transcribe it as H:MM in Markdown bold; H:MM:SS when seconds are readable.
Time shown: **12:54**
